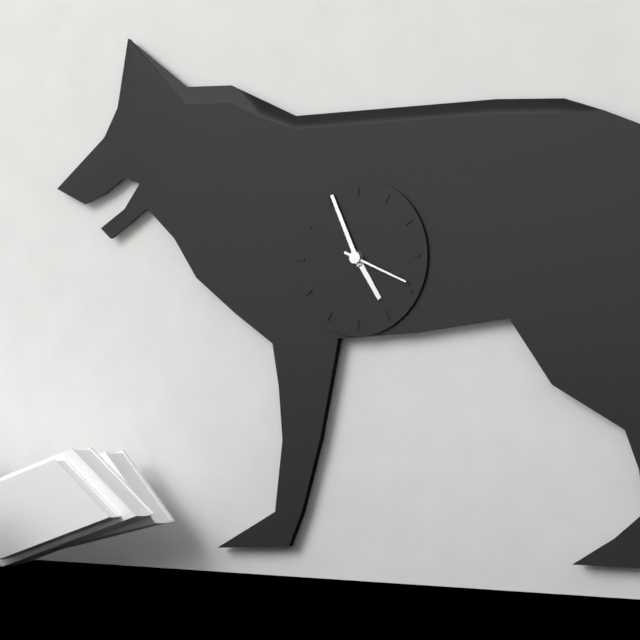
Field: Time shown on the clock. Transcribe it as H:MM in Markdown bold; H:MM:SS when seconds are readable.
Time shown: **4:56:19**
